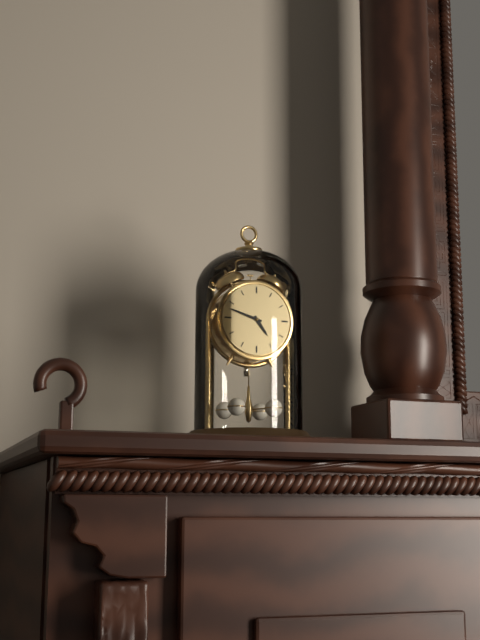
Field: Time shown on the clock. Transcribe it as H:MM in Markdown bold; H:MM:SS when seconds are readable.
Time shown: **4:48**
